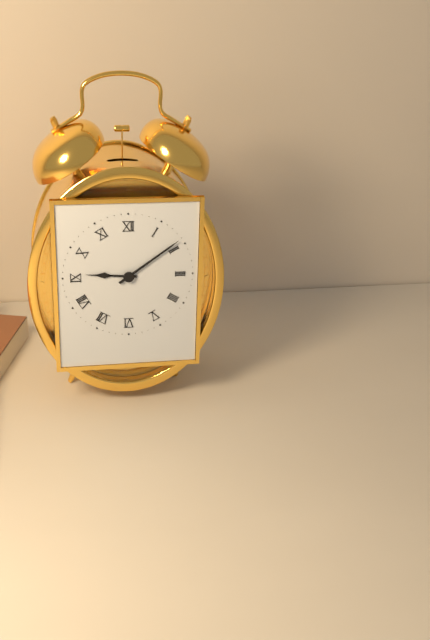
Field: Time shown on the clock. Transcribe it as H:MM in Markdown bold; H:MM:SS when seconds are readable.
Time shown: **9:09**
